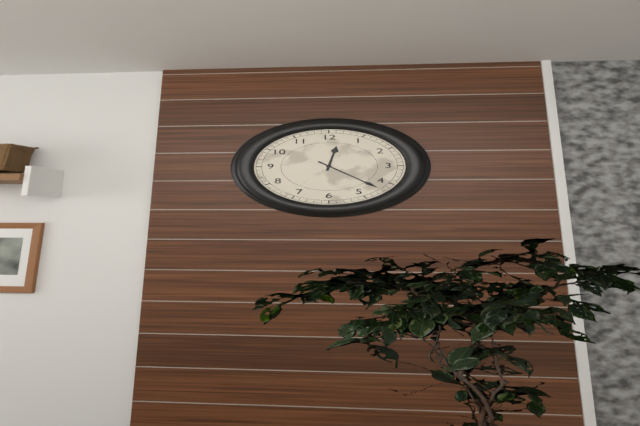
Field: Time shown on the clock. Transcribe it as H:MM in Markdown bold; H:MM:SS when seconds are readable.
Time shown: **12:22**
